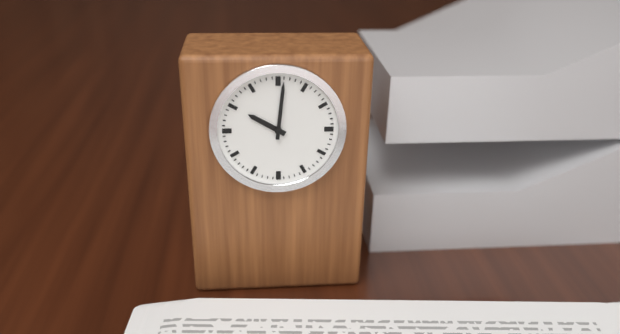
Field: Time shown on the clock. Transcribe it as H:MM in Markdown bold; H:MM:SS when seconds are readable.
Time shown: **10:01**
